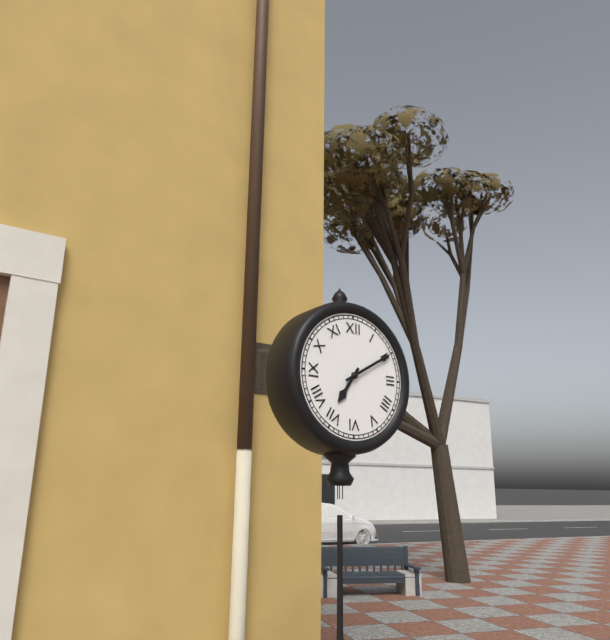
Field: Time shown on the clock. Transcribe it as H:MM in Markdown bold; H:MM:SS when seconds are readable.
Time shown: **7:10**
